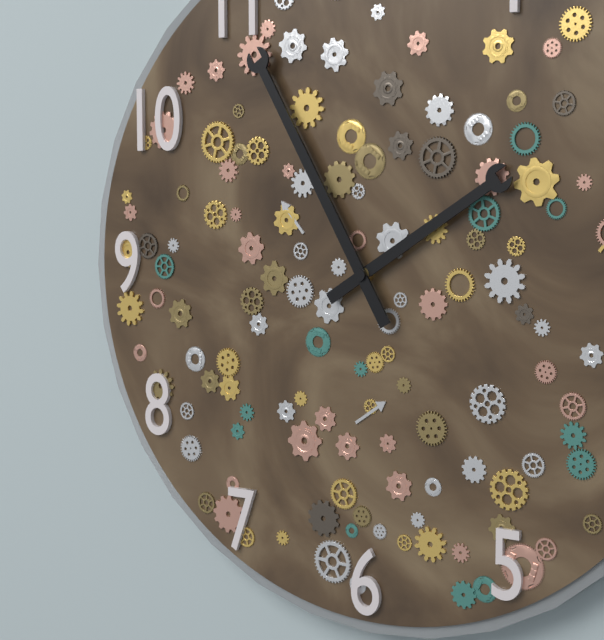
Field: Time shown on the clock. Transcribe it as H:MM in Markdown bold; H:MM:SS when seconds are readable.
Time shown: **1:55**
